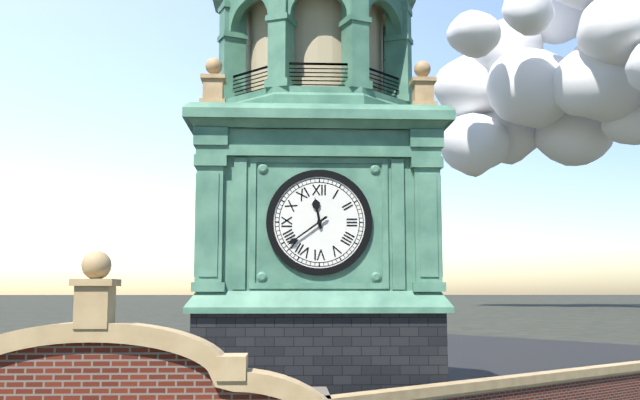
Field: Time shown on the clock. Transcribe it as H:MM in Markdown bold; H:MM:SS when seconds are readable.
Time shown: **11:39**
